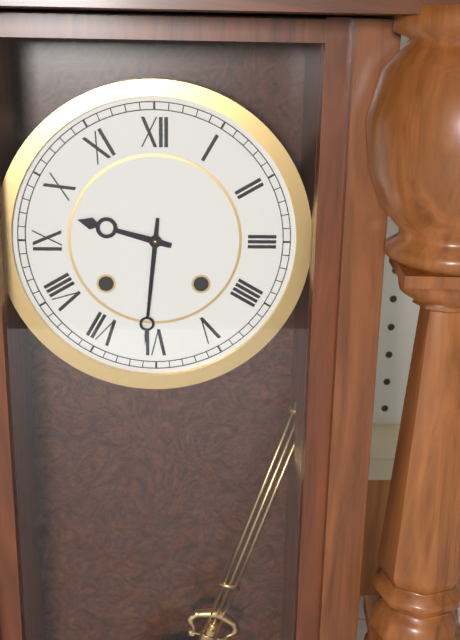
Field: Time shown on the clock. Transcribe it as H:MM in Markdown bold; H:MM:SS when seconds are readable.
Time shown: **9:31**
